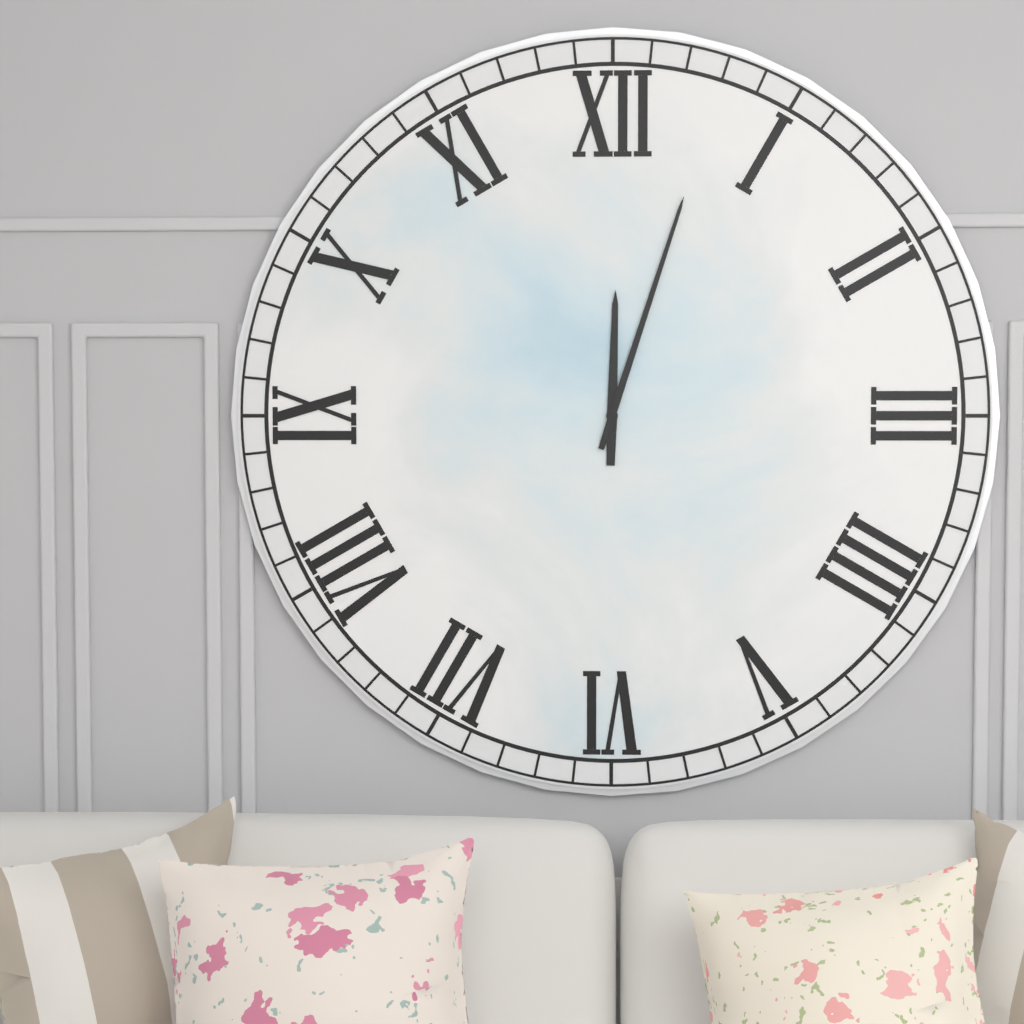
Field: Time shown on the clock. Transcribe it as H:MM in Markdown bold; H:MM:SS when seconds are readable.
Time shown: **12:03**
